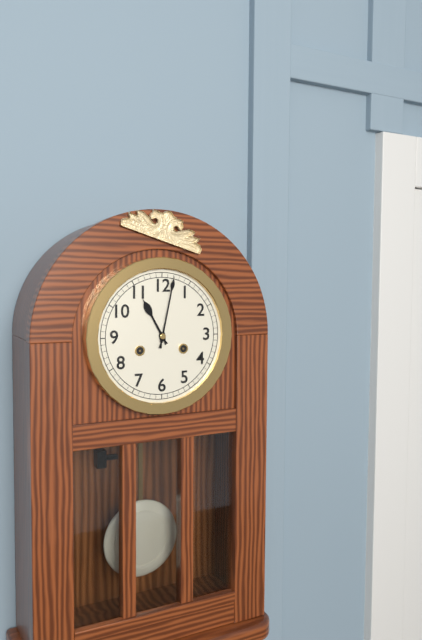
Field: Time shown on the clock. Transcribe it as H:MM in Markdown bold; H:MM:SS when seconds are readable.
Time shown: **11:02**
